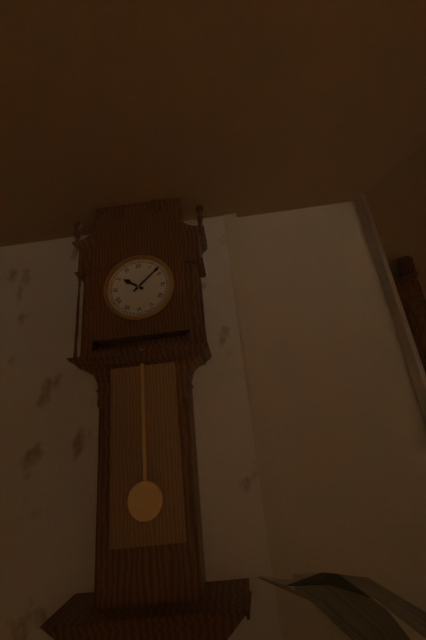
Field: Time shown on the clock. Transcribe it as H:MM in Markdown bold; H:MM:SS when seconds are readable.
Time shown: **10:08**
